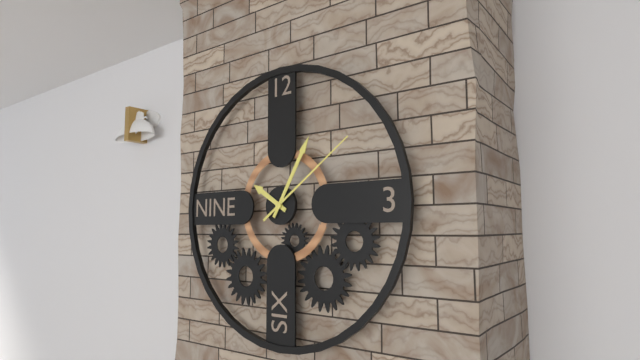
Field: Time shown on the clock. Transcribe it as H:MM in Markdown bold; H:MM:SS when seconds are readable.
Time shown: **10:05:09**
